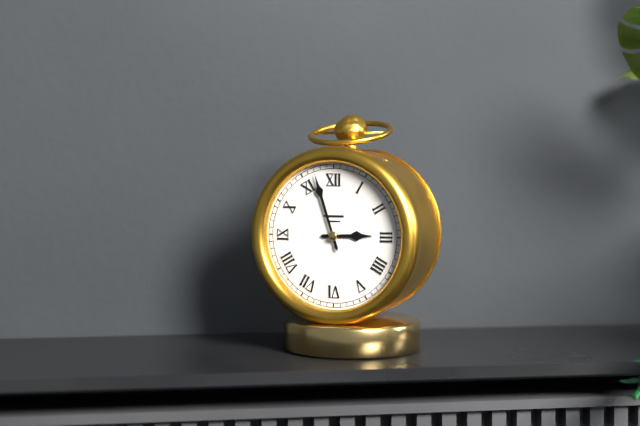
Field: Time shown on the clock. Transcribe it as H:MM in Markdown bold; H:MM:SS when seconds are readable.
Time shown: **2:57**
